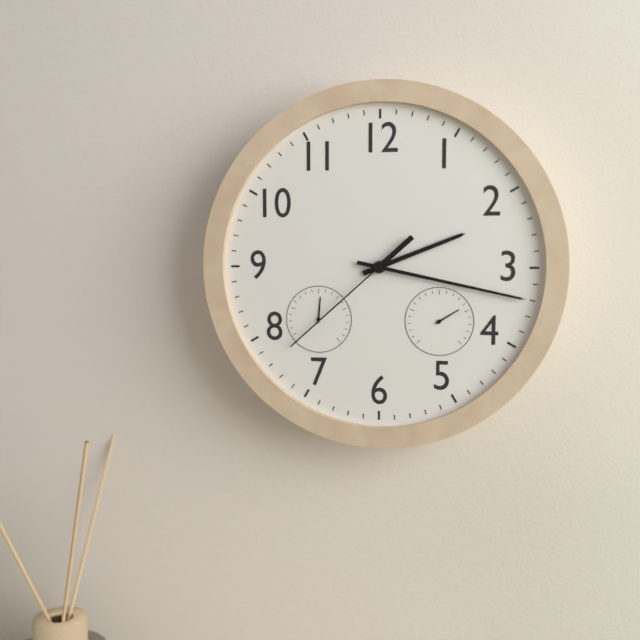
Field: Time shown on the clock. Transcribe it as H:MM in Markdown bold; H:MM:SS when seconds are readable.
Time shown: **2:17:38**
